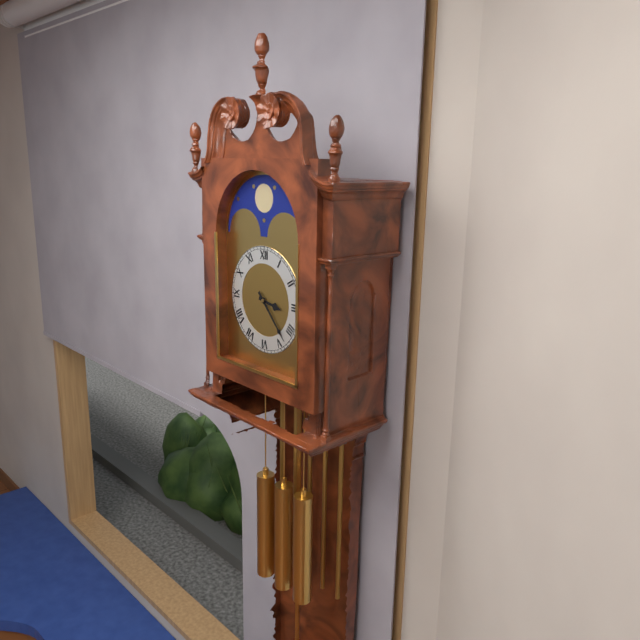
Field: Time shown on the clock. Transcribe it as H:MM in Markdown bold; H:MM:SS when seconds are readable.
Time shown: **3:23**
